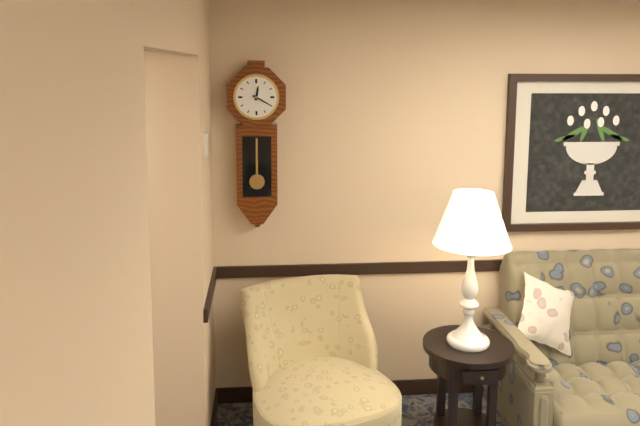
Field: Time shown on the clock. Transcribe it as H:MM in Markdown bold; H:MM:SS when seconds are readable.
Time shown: **12:20**
